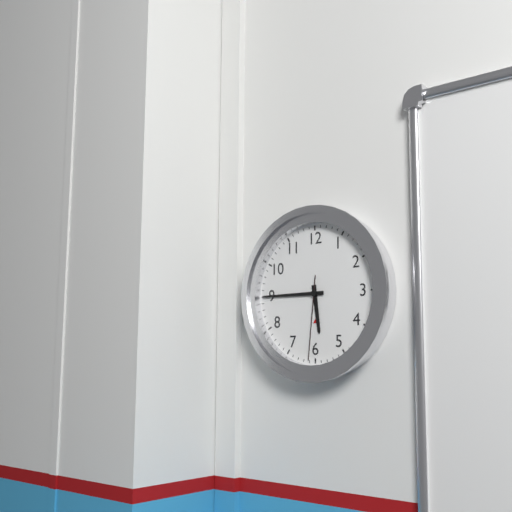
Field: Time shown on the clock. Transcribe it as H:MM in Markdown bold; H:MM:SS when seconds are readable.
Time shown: **5:45:31**
